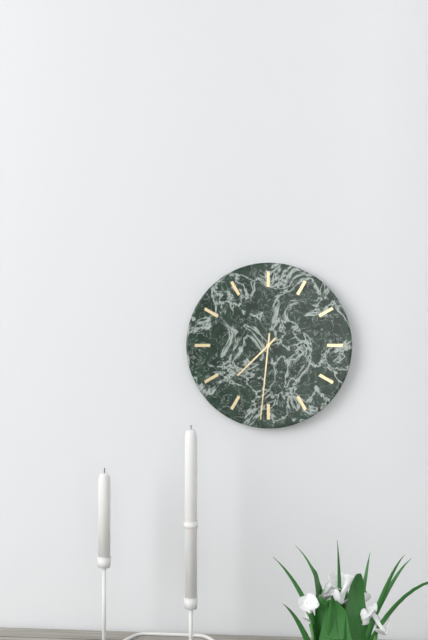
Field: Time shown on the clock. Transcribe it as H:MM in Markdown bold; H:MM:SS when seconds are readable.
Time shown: **7:31**
